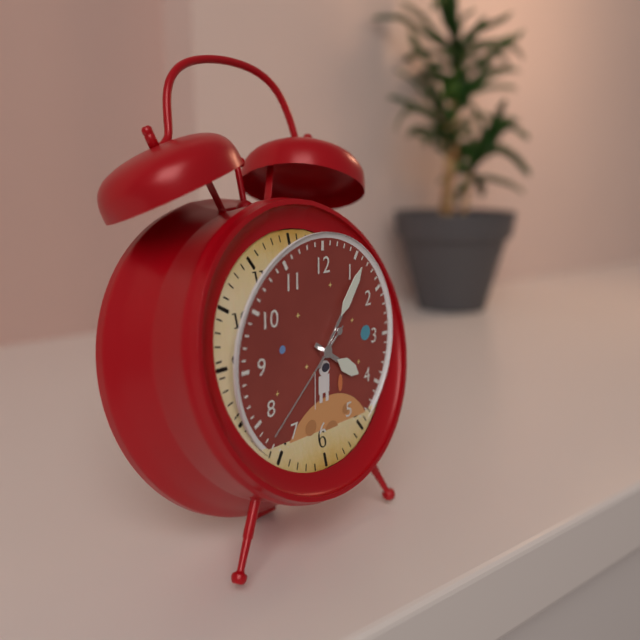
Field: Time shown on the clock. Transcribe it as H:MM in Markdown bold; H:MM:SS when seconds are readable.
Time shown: **4:06:38**
